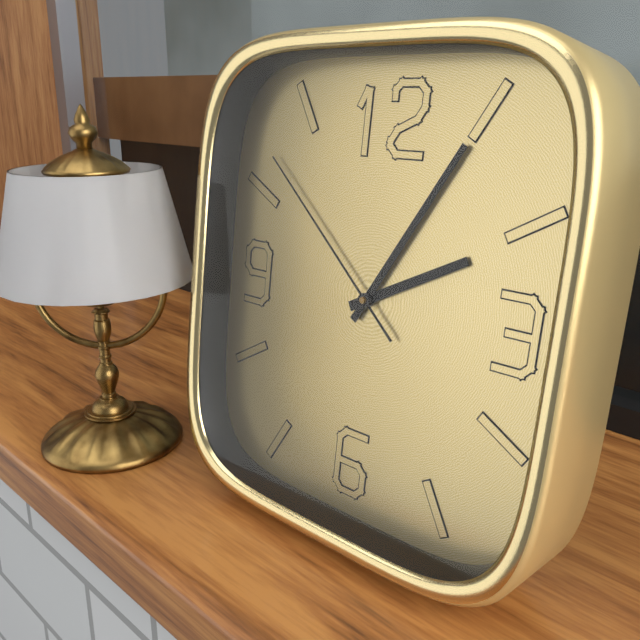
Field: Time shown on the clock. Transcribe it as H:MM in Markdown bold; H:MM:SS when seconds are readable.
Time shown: **2:05:52**
